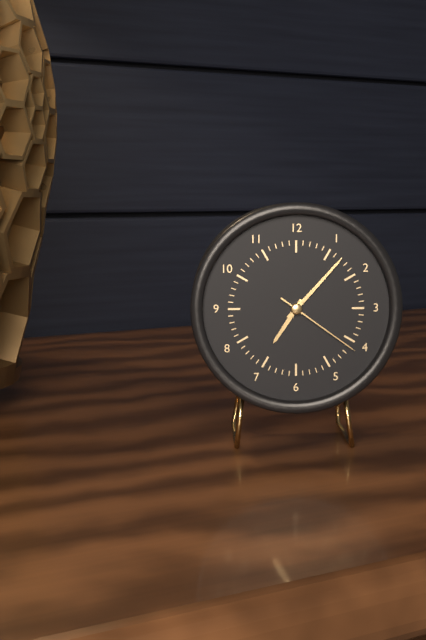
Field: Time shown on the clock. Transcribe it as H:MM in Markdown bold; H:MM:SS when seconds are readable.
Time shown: **7:07:21**
